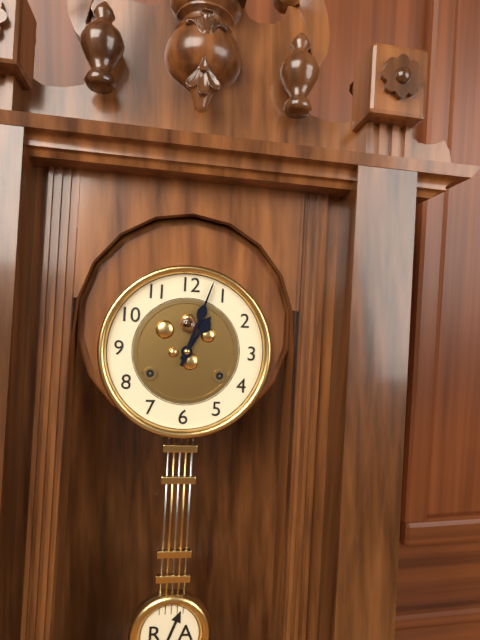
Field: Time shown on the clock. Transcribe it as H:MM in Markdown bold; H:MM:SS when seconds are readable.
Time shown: **1:03**
